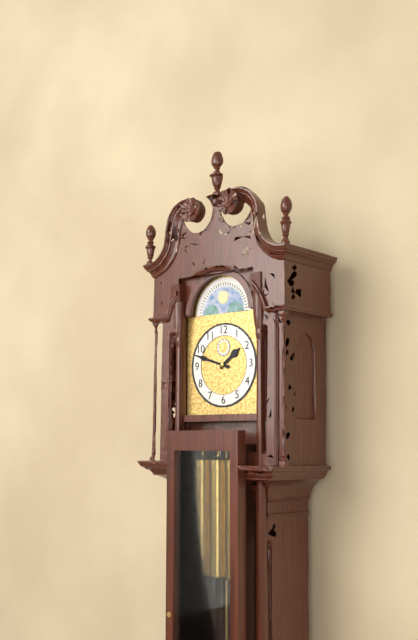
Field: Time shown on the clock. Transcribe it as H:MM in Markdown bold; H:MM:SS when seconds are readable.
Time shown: **1:48**
